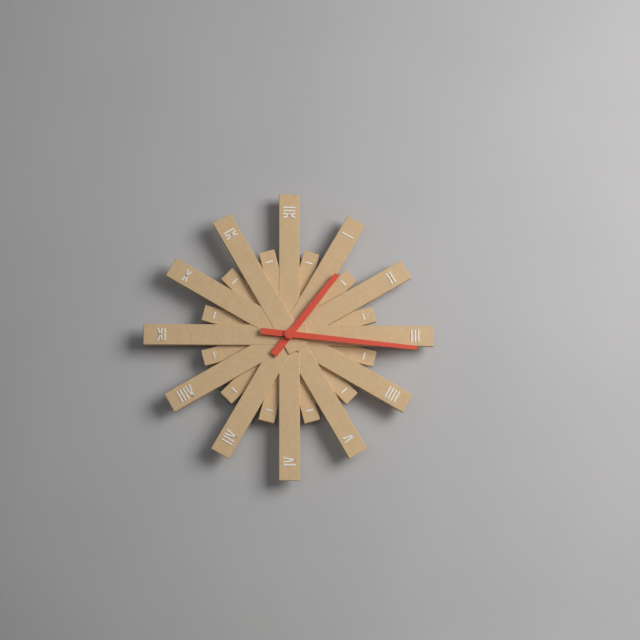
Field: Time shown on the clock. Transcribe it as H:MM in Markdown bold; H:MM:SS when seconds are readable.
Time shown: **1:16**
